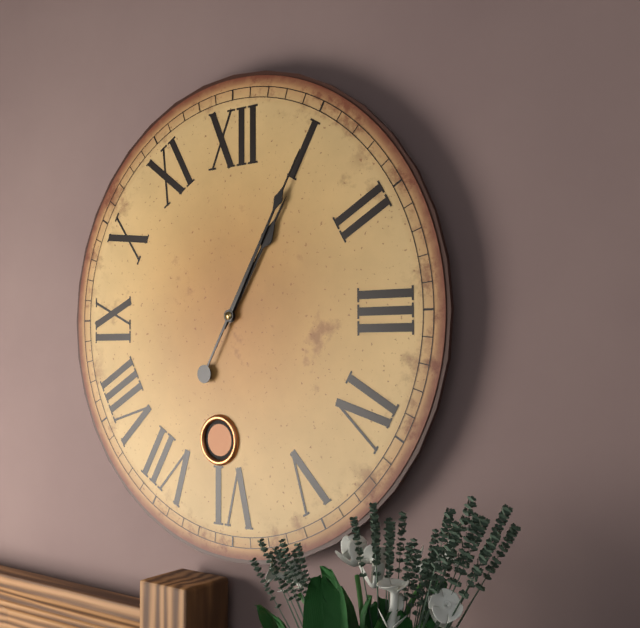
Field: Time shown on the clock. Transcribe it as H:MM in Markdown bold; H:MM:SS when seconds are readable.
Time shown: **1:05**
